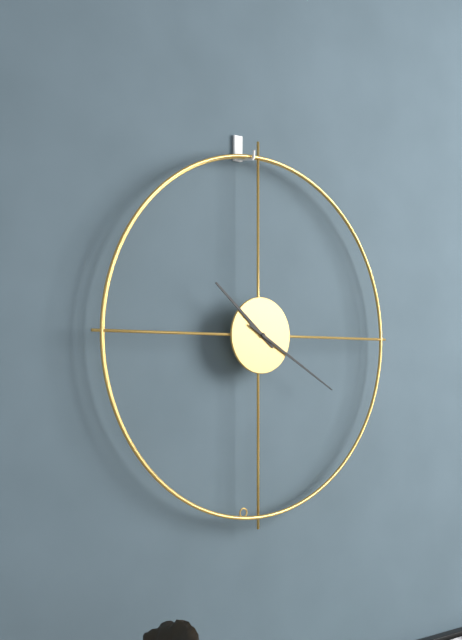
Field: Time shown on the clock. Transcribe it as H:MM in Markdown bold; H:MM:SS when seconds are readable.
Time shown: **10:20**
